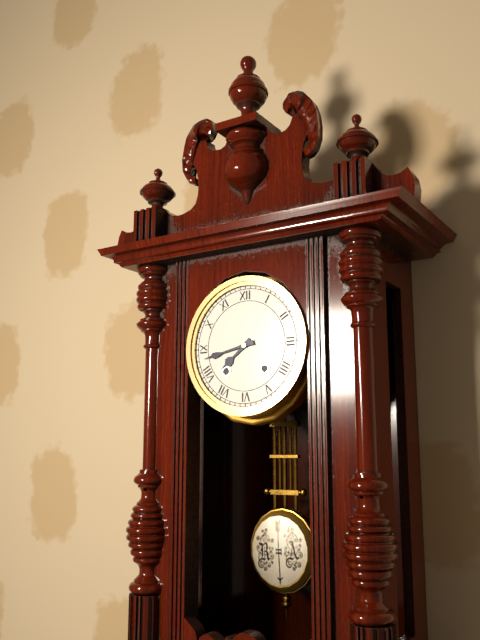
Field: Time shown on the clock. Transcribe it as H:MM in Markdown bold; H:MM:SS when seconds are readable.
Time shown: **7:43**
